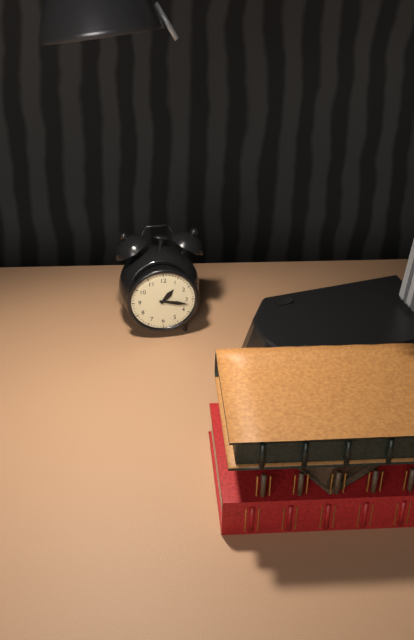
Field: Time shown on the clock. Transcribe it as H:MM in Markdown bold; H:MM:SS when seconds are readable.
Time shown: **1:17**
